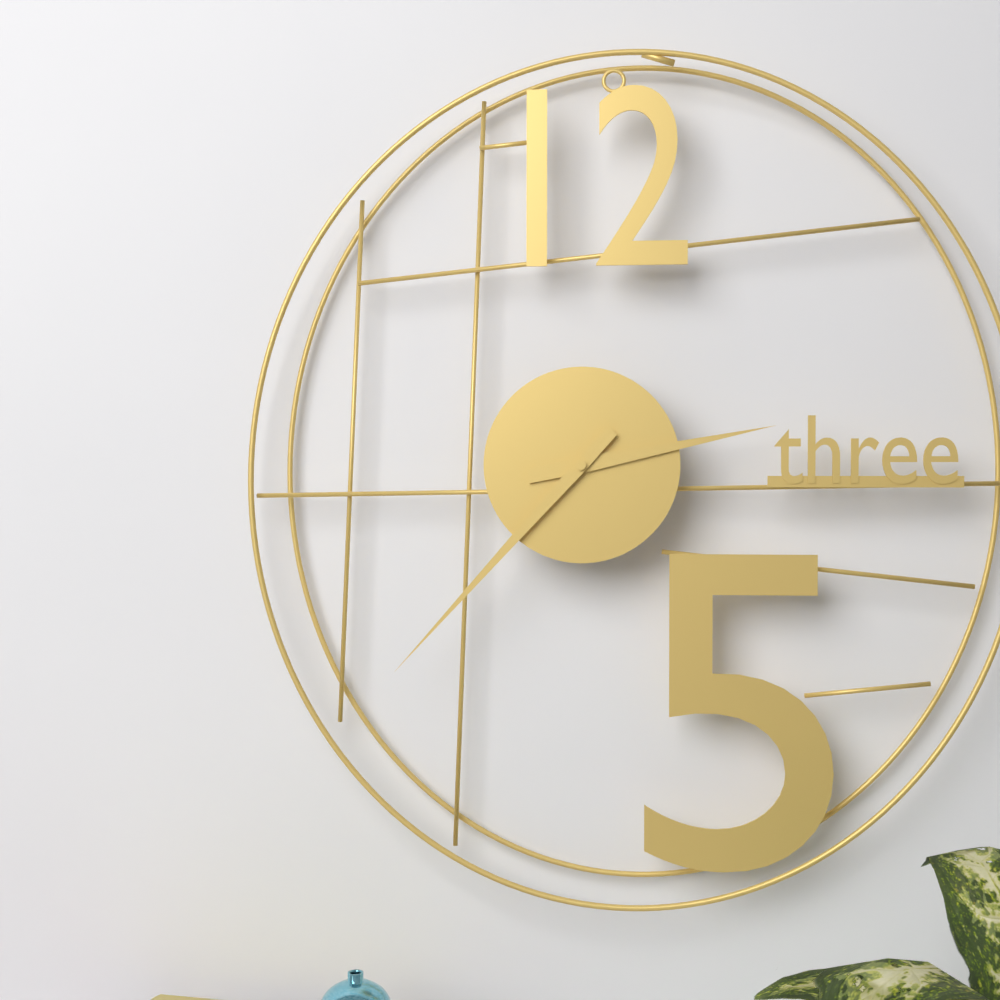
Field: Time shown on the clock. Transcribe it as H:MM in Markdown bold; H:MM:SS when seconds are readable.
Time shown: **2:37**
